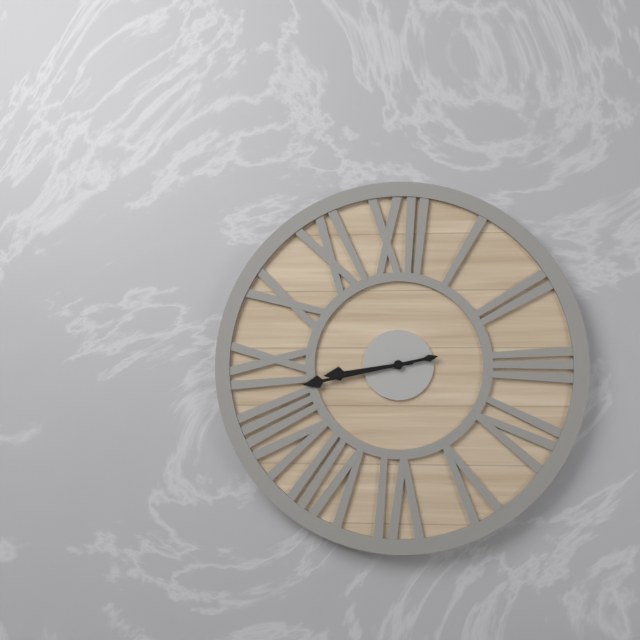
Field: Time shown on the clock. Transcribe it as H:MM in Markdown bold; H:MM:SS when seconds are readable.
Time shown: **8:43**
